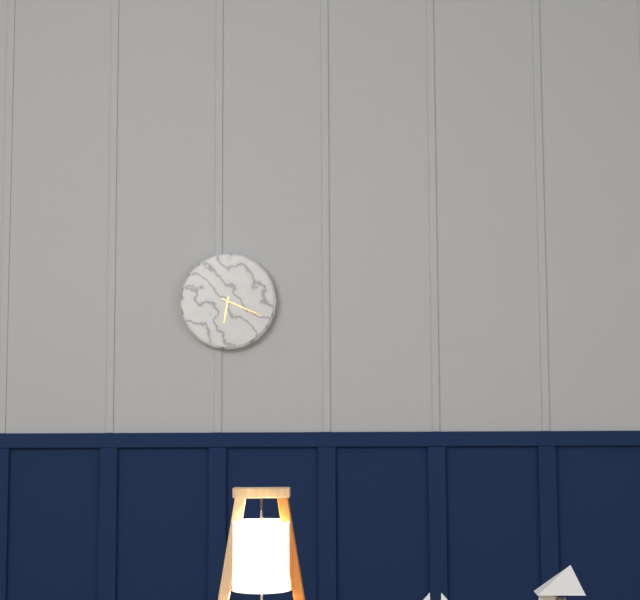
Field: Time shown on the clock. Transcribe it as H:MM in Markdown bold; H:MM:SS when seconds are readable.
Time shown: **6:19**
